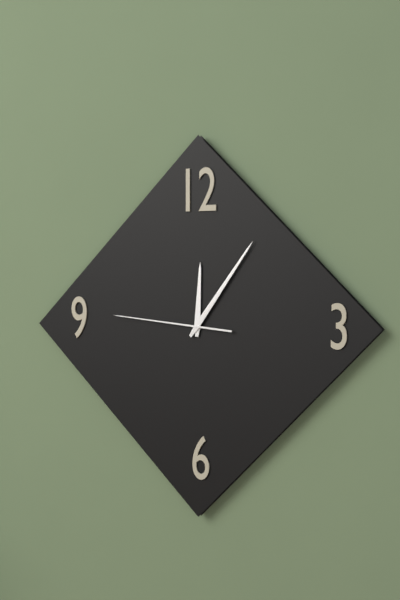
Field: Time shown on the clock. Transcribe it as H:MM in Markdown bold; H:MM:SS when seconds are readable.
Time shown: **12:06:46**
